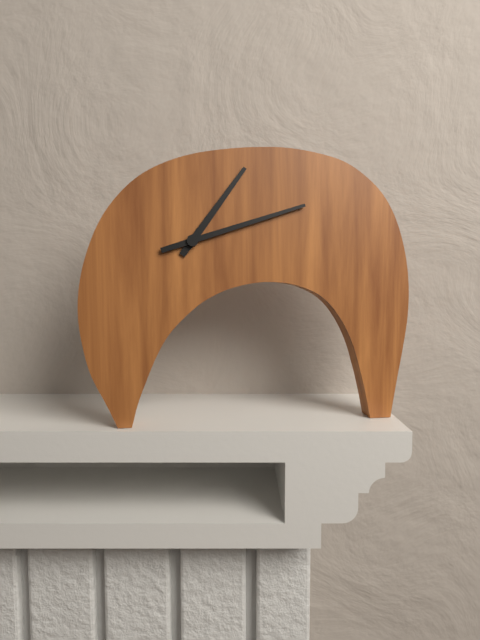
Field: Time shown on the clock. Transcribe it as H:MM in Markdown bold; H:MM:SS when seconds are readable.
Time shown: **1:12**
